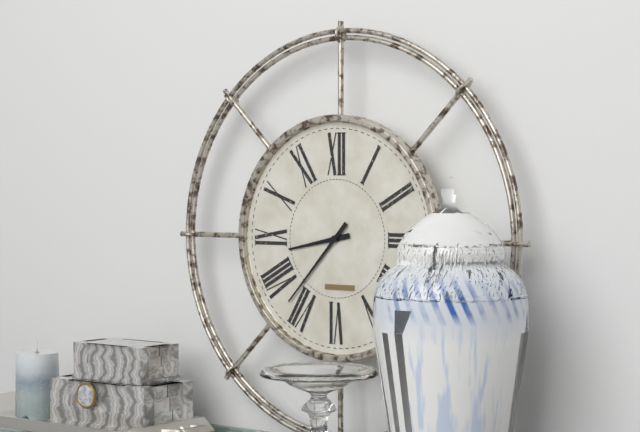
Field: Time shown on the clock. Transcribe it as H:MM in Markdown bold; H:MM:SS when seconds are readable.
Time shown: **8:37**
